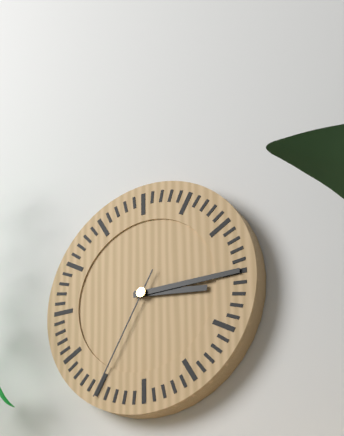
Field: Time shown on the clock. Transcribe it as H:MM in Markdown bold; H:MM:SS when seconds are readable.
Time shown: **3:15:35**
